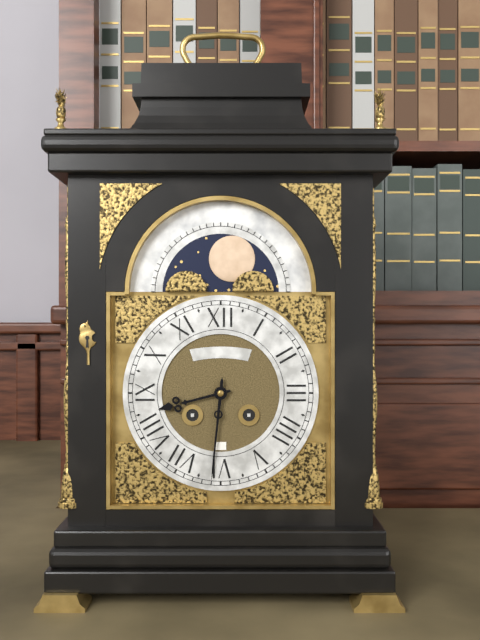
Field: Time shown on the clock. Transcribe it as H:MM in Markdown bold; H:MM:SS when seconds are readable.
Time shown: **8:31**
